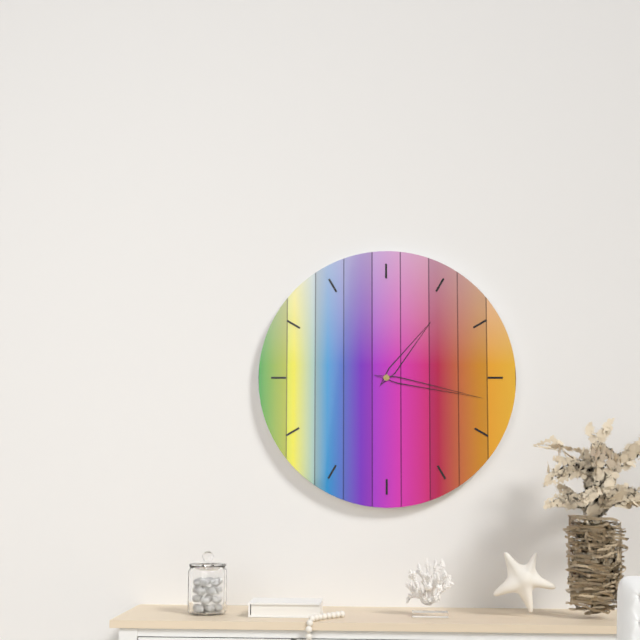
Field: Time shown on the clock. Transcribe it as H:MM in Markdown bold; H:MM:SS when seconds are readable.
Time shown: **1:17**
